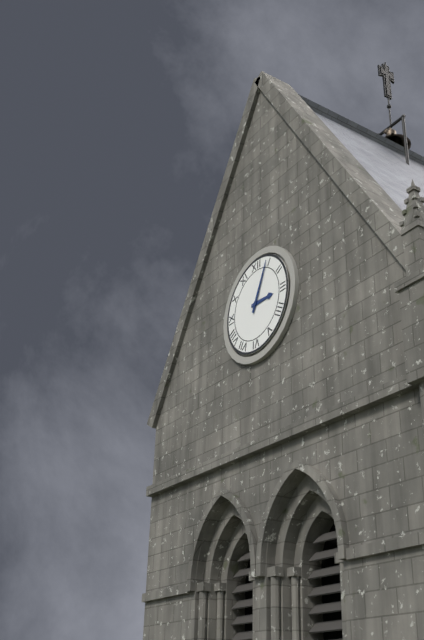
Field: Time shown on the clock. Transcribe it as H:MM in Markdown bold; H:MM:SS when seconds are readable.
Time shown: **3:04**
